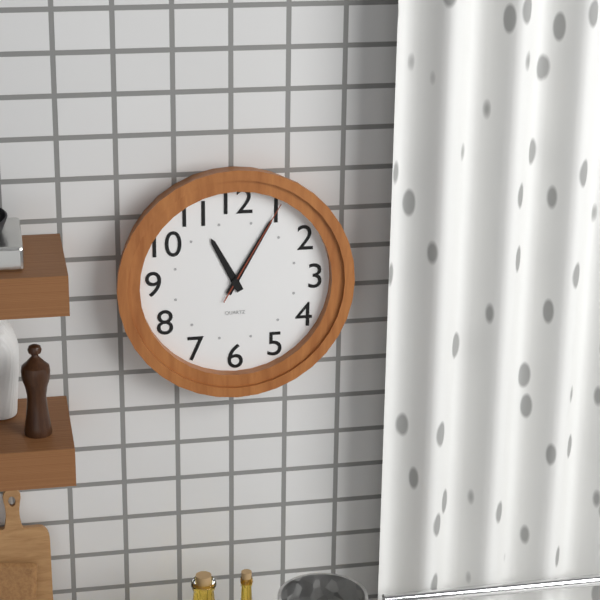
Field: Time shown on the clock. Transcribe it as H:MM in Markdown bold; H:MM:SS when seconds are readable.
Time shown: **11:05:05**
